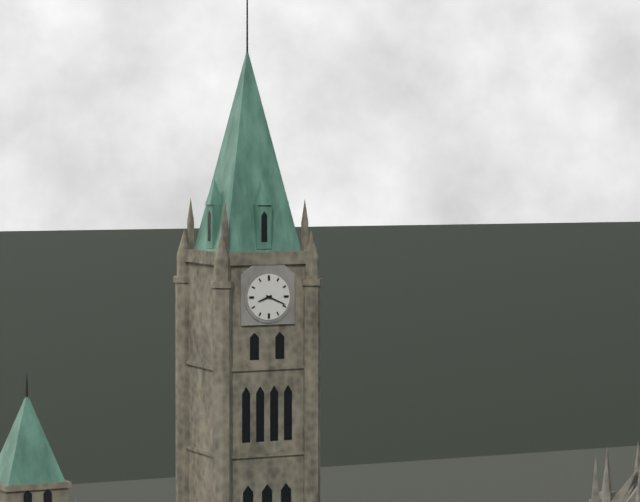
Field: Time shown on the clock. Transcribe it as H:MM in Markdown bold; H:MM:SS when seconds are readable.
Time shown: **8:19**
